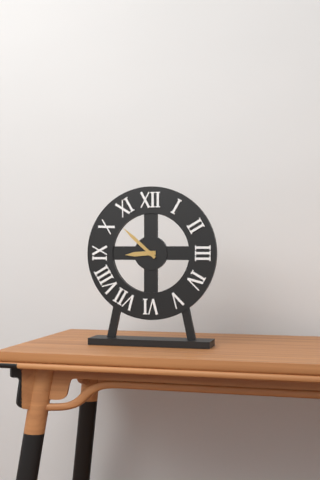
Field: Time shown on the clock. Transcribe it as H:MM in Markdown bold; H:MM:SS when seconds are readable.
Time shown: **8:52**
